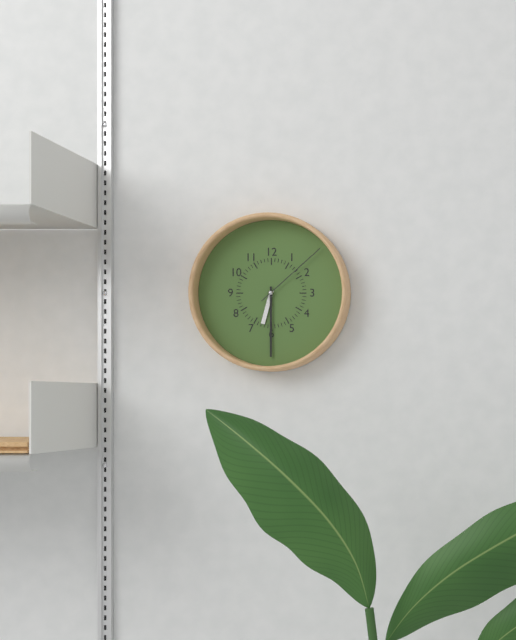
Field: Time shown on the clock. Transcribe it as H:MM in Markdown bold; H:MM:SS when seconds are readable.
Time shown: **6:30:08**
